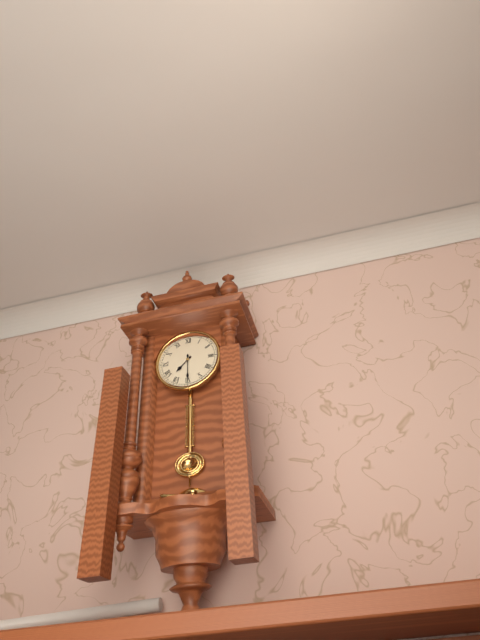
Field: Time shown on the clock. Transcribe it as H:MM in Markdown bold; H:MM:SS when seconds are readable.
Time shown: **7:30**
